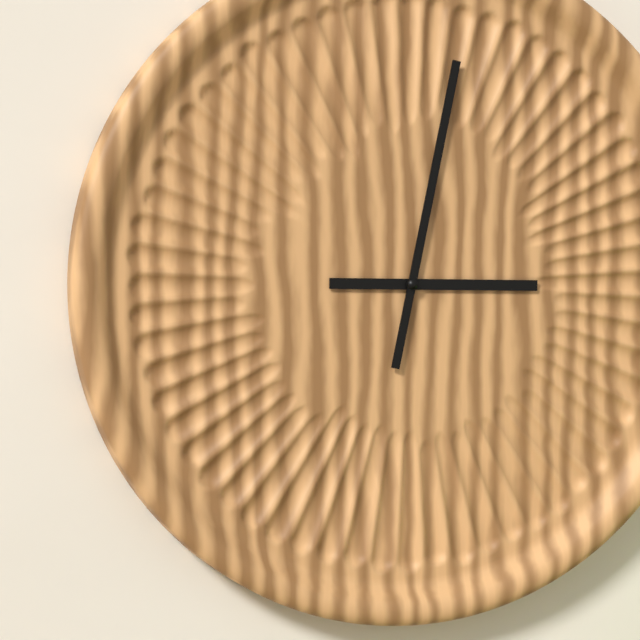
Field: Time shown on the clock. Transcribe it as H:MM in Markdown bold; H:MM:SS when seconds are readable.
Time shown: **3:02**
